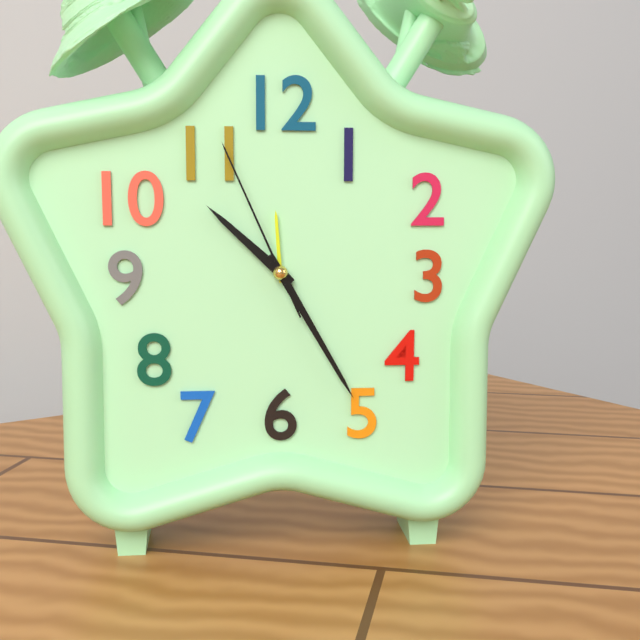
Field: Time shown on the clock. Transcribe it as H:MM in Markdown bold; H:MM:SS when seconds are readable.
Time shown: **10:25:56**
